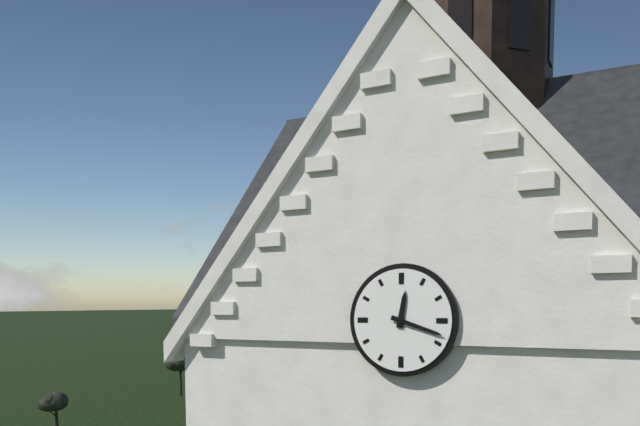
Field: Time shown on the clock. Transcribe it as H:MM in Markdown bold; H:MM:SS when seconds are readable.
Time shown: **12:18**
